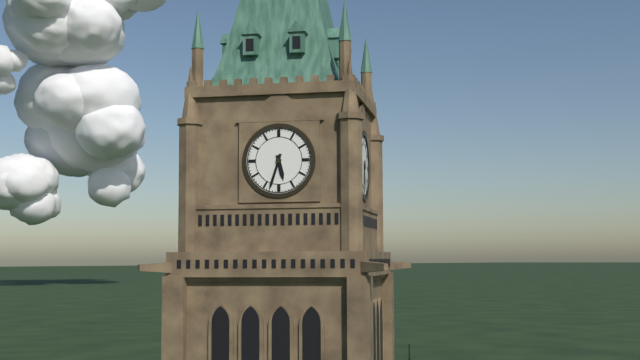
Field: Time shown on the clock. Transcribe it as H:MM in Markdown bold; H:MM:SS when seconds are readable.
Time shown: **5:33**
